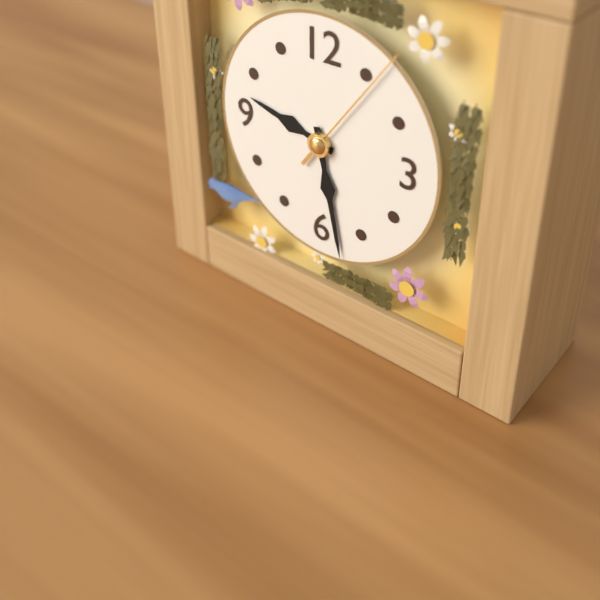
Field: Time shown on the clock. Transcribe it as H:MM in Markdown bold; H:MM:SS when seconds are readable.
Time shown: **9:28:06**
